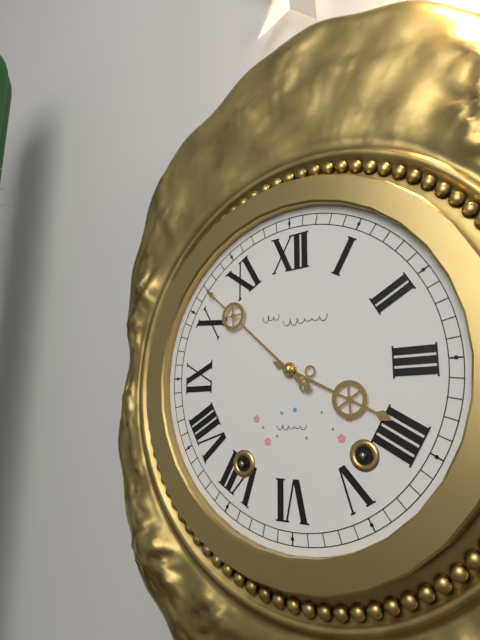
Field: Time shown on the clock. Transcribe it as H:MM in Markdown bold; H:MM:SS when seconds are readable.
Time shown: **3:52**
